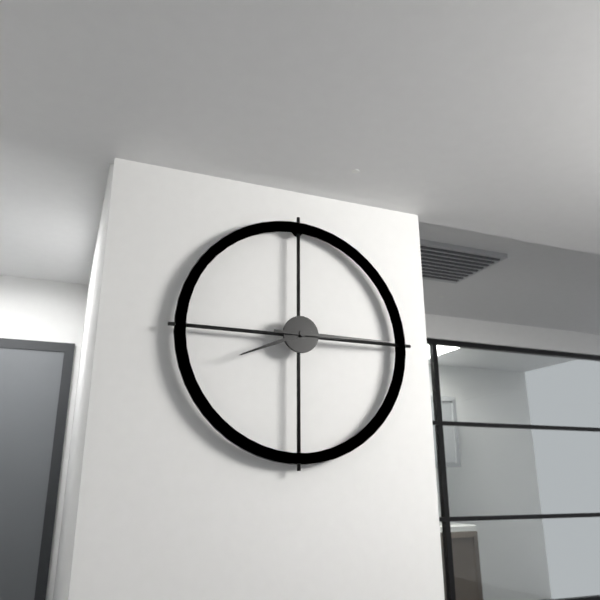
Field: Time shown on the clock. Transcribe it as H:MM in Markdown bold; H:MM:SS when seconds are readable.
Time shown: **8:15**
